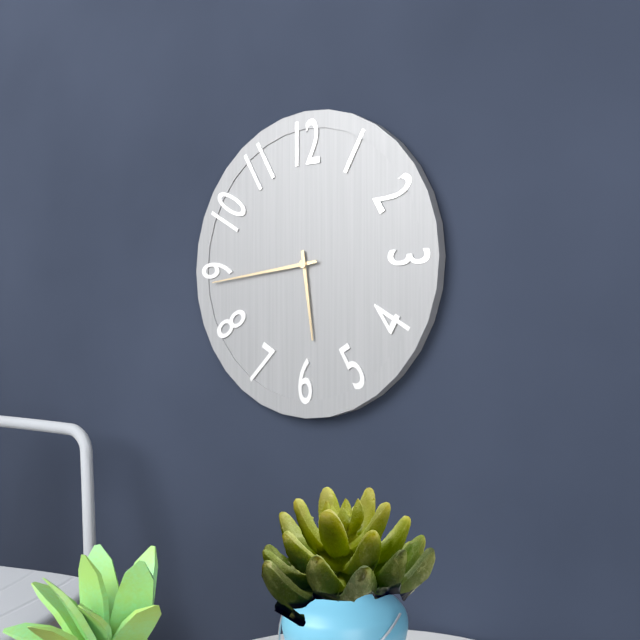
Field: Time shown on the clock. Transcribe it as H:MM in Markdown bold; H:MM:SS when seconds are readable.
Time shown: **5:44**
